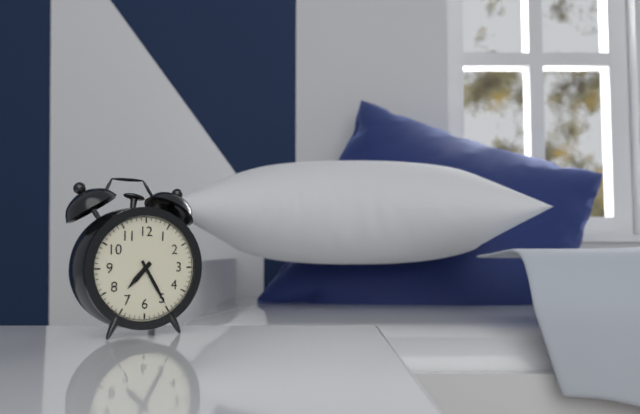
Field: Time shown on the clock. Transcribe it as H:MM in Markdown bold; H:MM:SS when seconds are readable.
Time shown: **7:25**
